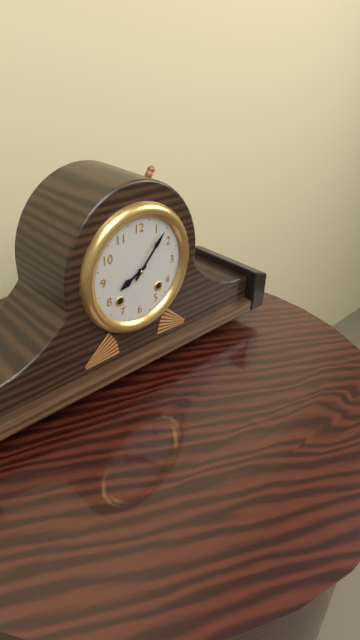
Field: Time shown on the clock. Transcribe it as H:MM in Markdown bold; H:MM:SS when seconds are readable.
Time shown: **8:07**
